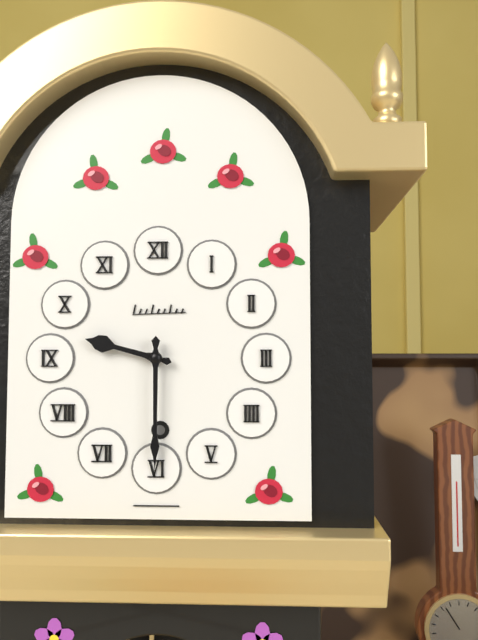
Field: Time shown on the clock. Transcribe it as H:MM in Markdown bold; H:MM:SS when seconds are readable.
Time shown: **9:30**
